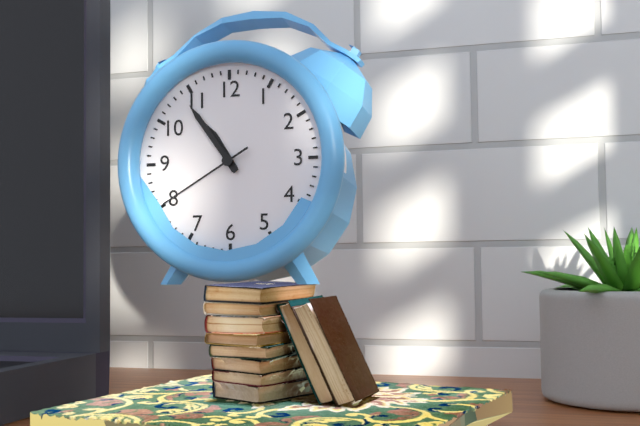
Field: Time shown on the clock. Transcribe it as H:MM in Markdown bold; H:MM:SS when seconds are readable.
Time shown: **10:54:40**
